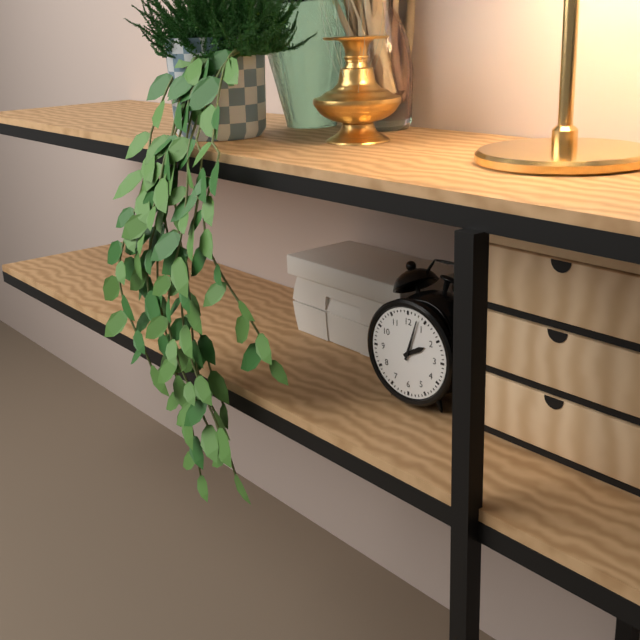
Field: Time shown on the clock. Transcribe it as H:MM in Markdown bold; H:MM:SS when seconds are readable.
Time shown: **2:03**
